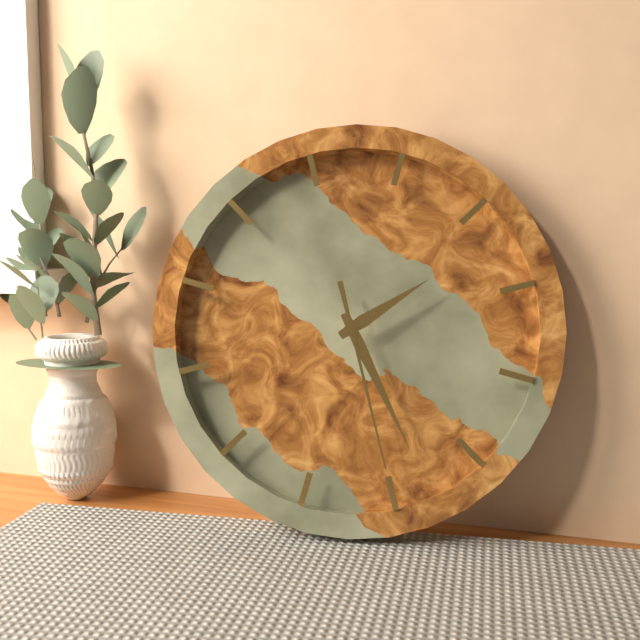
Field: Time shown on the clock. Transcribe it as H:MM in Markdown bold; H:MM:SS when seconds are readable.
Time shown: **1:23:25**
